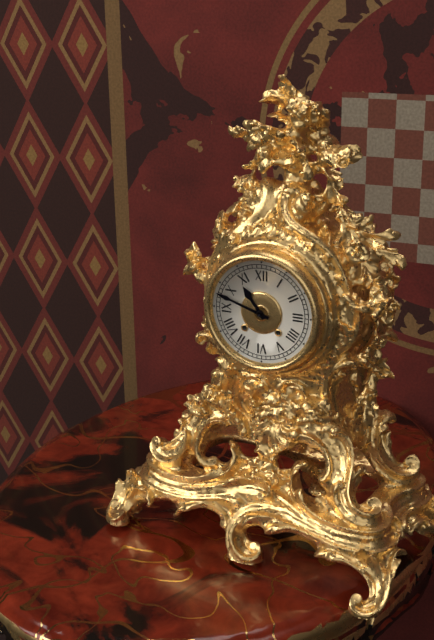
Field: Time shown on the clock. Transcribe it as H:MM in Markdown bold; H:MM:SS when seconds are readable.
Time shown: **10:48**
